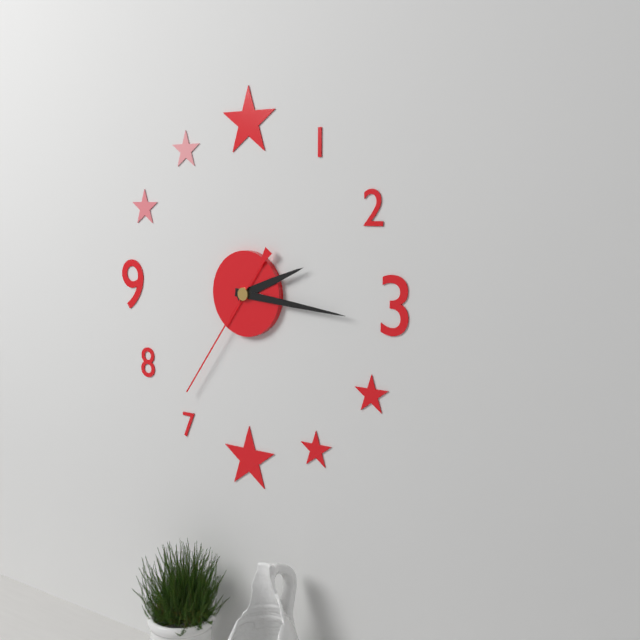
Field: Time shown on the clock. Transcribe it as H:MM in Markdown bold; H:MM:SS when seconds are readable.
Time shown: **2:16:36**
